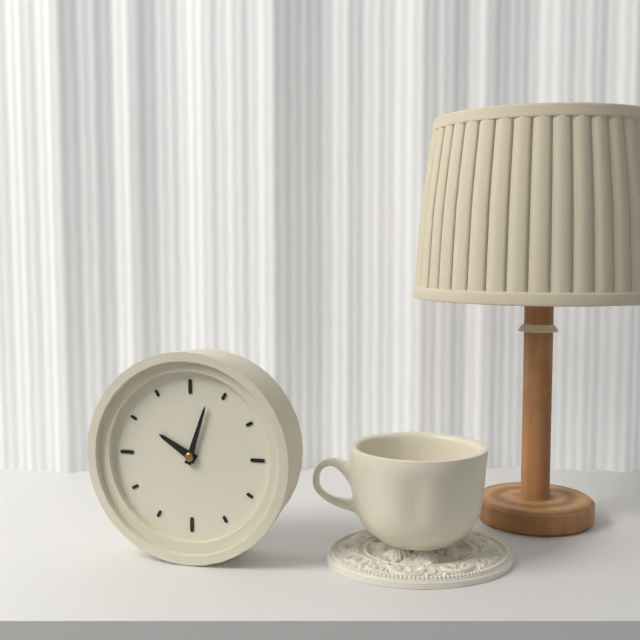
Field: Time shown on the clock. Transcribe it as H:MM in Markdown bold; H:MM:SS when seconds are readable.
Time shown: **10:03**
